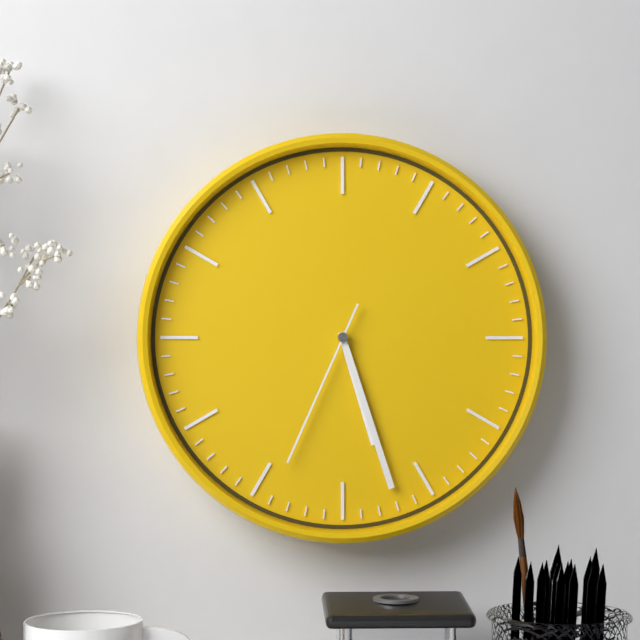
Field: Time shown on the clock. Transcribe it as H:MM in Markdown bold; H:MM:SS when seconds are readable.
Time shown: **5:27:34**
